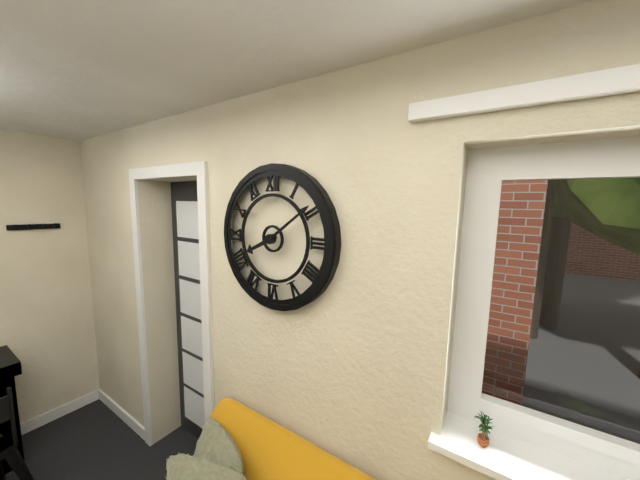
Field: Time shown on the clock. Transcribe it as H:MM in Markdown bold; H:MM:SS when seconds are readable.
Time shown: **8:09**
